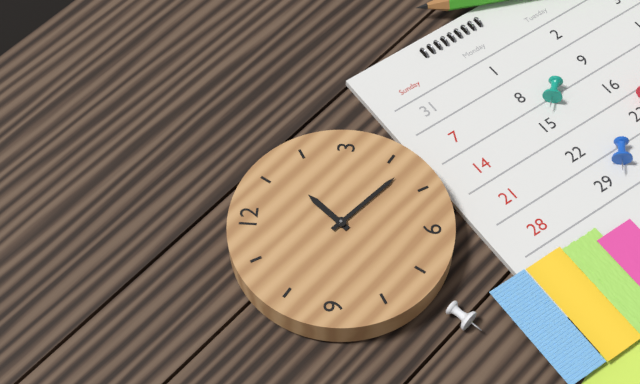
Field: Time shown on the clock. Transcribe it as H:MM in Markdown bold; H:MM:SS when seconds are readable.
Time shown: **1:22**
